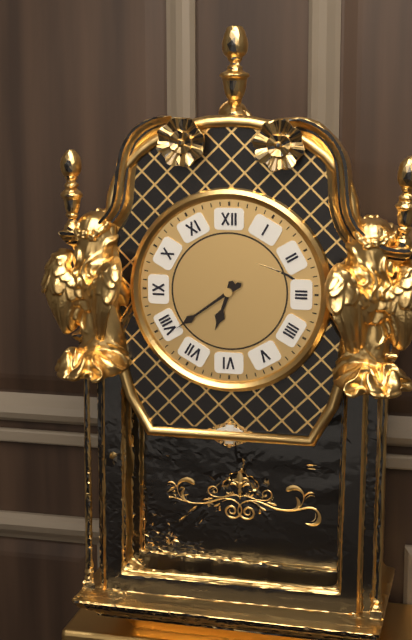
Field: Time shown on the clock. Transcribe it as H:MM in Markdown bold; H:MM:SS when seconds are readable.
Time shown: **6:39**
